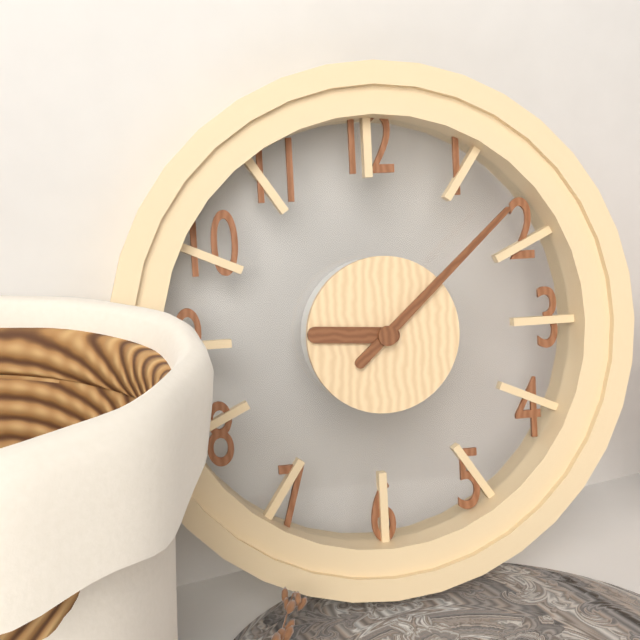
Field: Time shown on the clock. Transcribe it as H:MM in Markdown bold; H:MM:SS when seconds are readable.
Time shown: **9:08**
